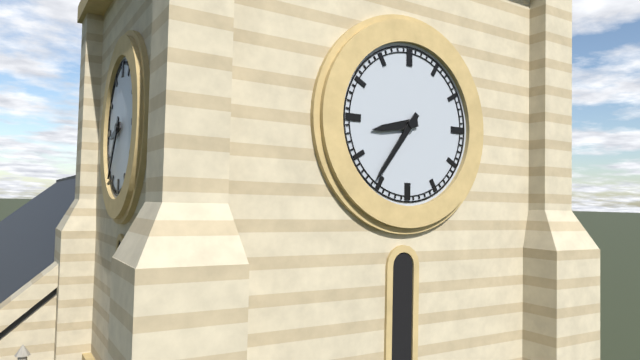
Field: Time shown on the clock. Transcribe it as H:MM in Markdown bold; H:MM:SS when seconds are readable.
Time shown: **8:36**
